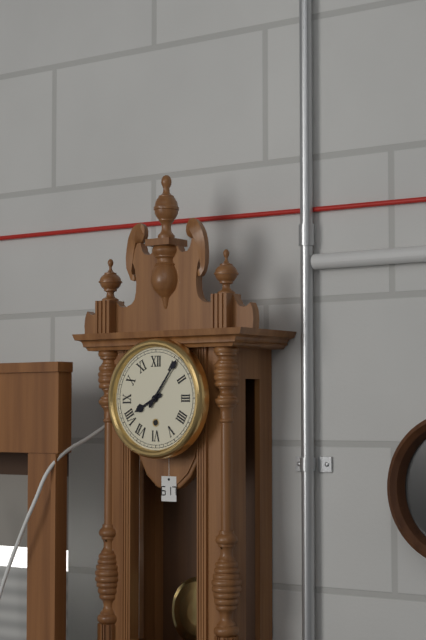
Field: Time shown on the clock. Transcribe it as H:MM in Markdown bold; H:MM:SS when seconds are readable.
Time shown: **8:06**
